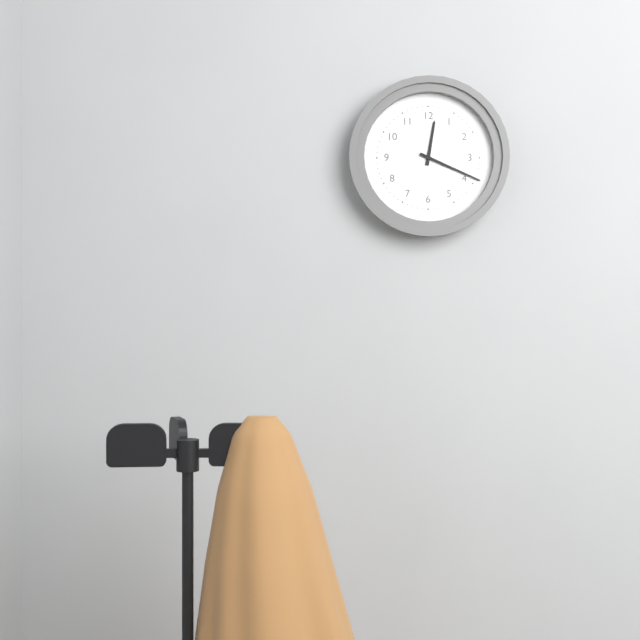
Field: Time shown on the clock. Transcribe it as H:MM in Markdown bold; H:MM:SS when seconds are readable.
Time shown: **12:19**
